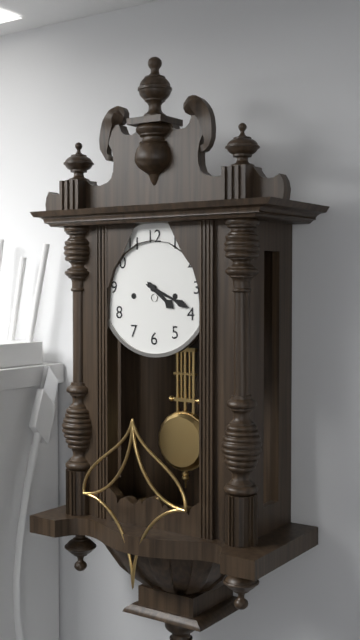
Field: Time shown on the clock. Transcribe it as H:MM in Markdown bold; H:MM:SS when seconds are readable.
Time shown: **4:19**
